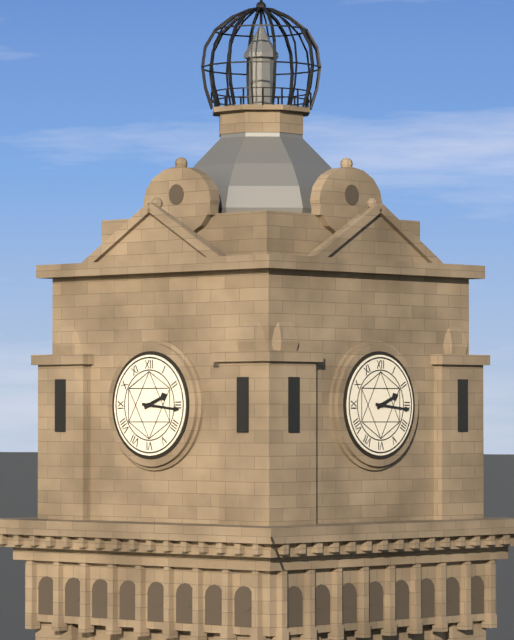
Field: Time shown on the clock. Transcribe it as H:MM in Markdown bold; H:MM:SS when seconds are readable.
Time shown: **2:16**
